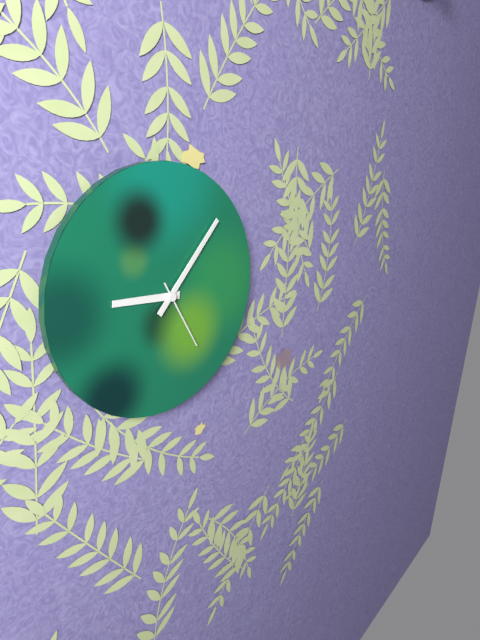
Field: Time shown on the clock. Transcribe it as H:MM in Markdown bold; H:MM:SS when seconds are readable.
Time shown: **9:07:25**
